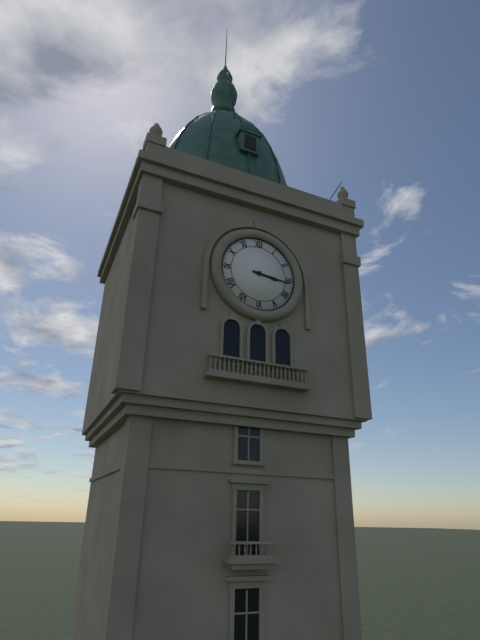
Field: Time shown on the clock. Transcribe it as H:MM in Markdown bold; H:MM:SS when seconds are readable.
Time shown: **3:16**
